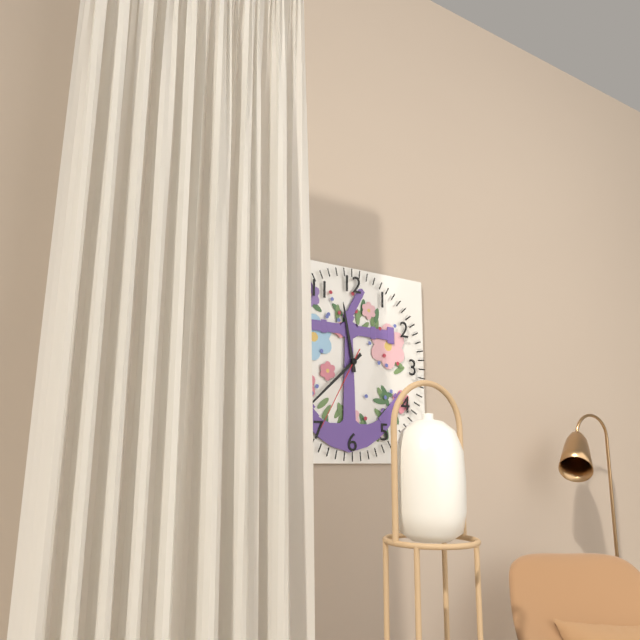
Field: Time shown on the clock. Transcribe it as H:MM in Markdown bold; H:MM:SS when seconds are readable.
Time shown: **11:38:35**
